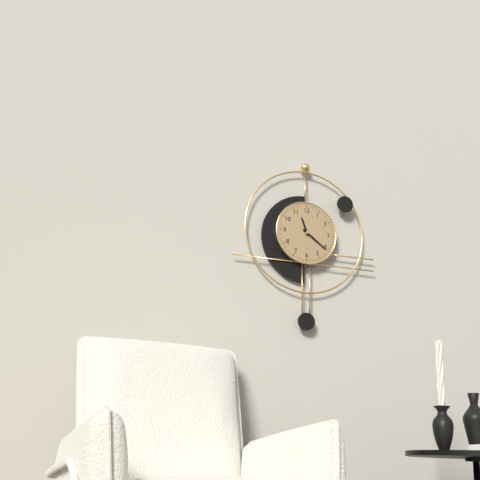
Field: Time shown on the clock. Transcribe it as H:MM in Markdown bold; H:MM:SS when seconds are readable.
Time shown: **11:21**
